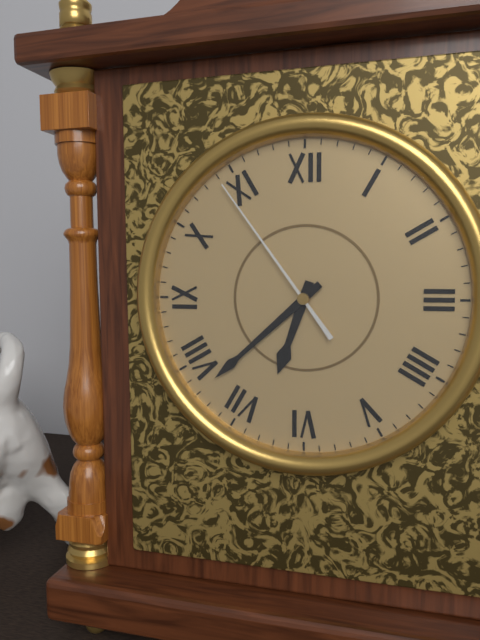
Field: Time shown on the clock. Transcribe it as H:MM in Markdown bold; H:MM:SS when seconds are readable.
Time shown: **6:38:54**
